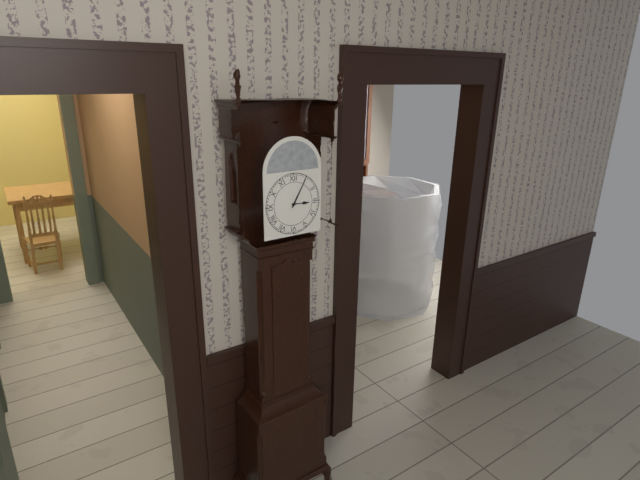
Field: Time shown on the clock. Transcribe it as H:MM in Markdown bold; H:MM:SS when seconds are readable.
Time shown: **3:05**
